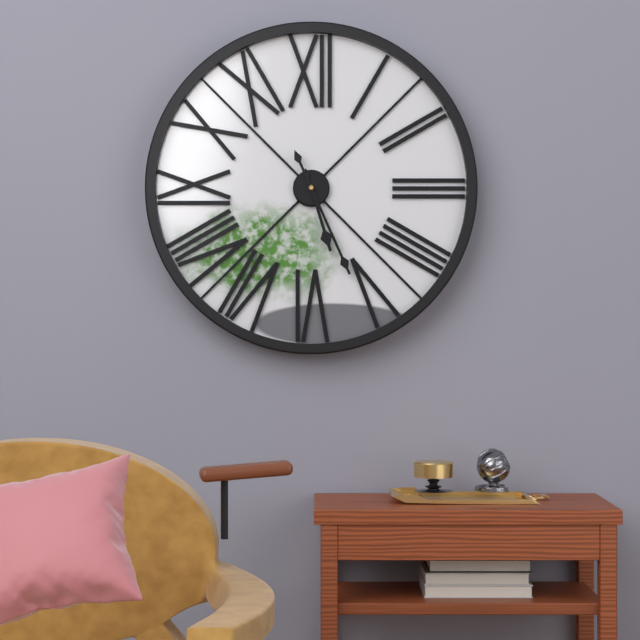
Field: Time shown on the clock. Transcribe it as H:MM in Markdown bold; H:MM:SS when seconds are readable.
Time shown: **5:26**
